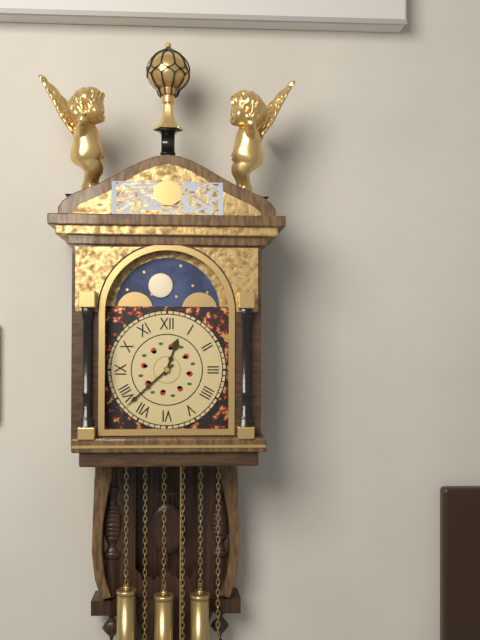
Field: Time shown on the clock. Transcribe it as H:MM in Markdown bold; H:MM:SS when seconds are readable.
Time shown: **12:38**
